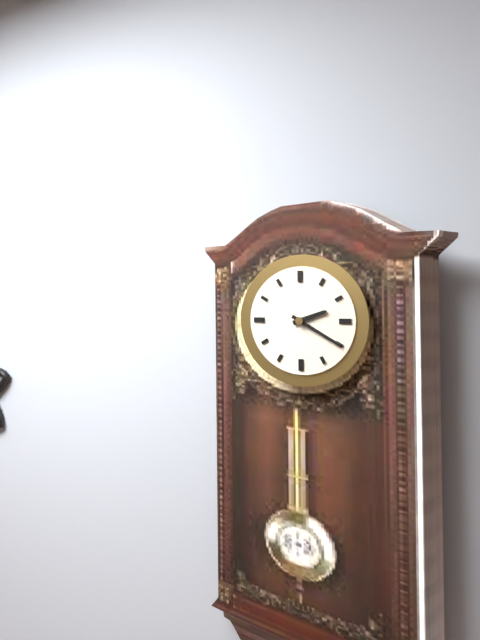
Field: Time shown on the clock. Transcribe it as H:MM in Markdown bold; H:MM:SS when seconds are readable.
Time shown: **2:20**
